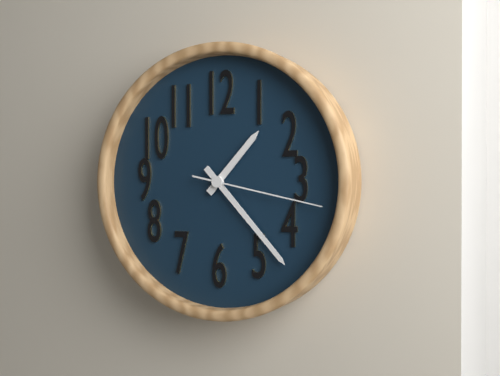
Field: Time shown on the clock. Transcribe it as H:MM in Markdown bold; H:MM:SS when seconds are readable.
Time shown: **1:23:17**
